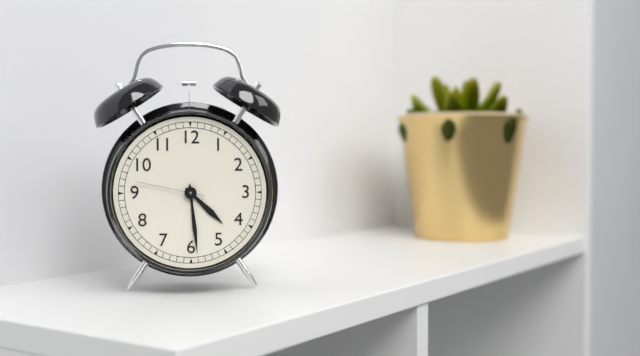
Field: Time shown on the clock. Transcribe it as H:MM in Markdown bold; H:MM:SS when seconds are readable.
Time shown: **4:29:47**
